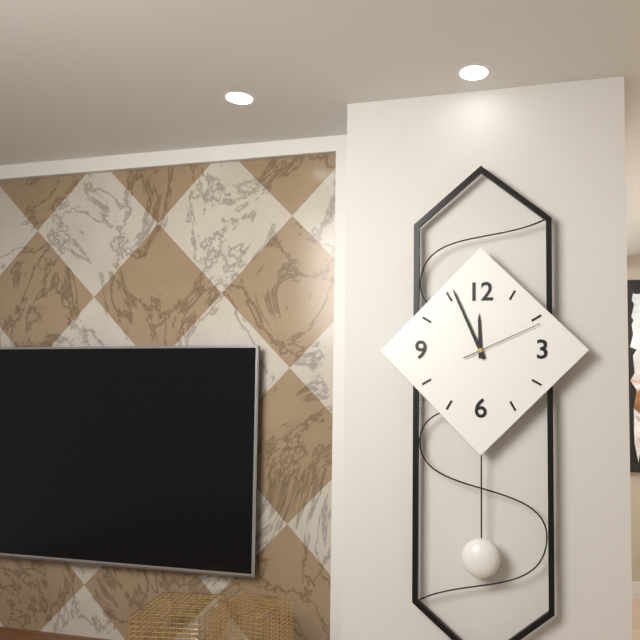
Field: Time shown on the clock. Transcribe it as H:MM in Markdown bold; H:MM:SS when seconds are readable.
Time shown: **11:56:11**
